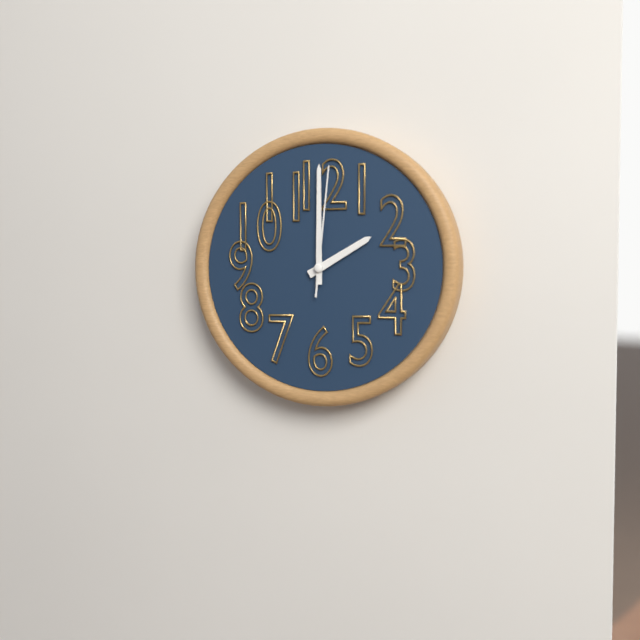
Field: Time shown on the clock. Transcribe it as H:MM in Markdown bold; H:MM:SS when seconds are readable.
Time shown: **2:00:01**
